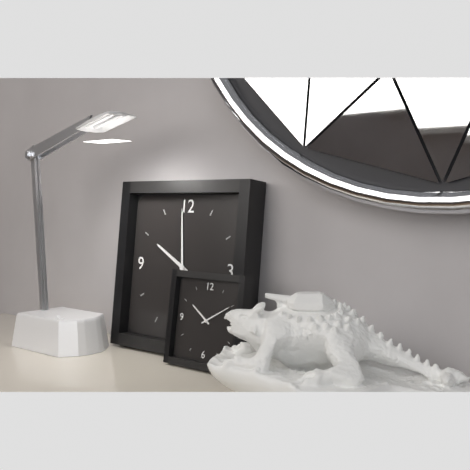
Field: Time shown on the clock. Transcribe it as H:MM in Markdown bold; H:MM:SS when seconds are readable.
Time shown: **9:59**
